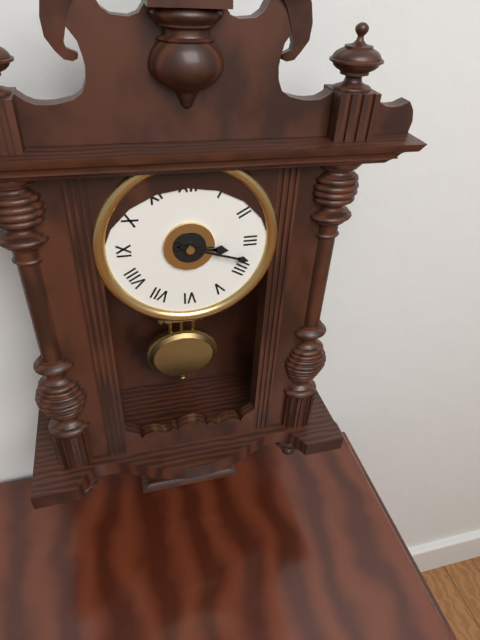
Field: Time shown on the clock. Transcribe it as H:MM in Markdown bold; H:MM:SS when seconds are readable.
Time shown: **3:18**
